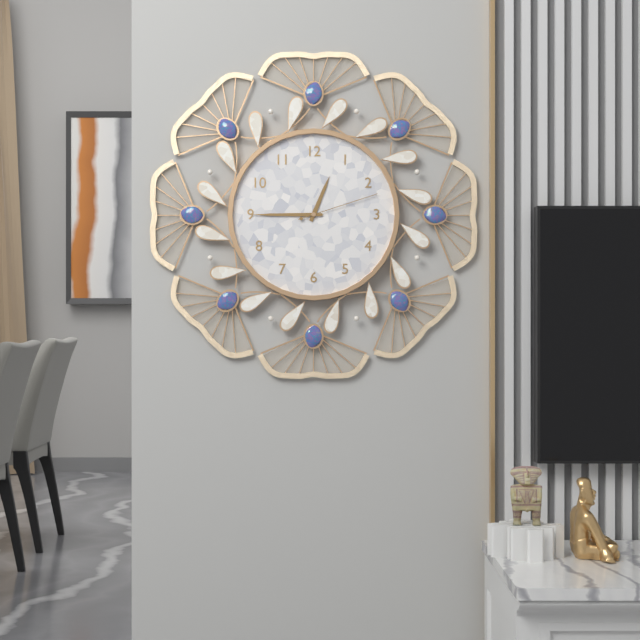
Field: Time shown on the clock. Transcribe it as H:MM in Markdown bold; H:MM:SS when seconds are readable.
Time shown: **12:45:12**
